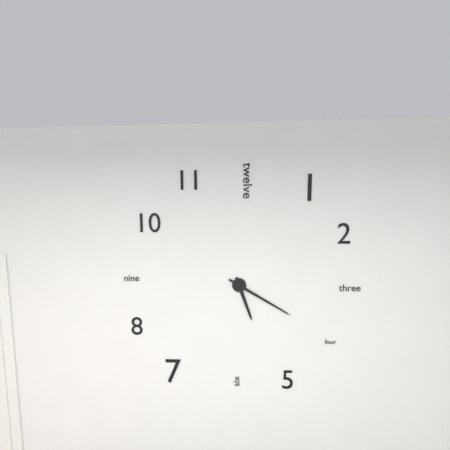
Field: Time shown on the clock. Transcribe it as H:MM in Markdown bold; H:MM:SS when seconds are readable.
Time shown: **5:20**
